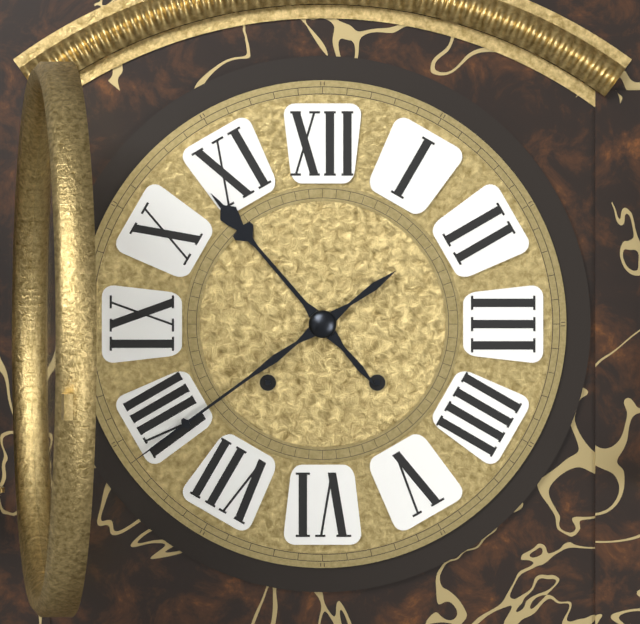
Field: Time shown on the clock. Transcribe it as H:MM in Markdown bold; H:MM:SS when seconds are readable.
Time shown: **10:39**
